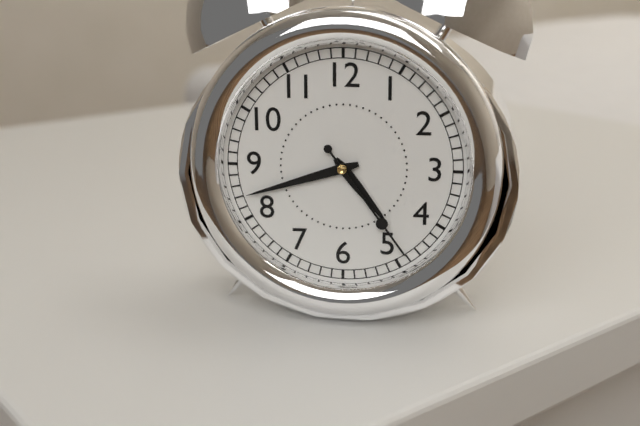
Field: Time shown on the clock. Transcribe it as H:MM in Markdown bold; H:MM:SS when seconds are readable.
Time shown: **4:42:24**
